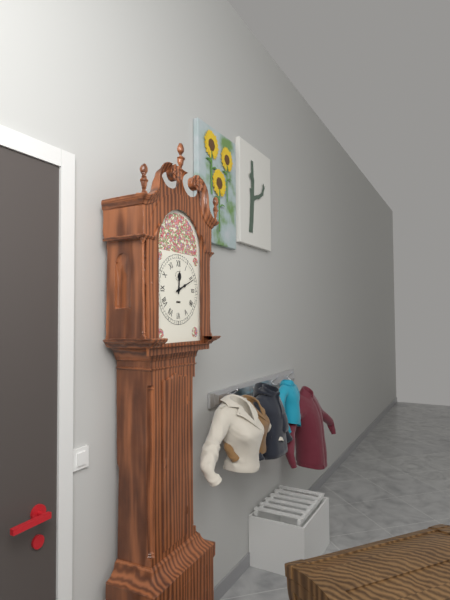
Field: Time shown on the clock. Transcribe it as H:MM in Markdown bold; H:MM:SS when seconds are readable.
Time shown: **12:11**
